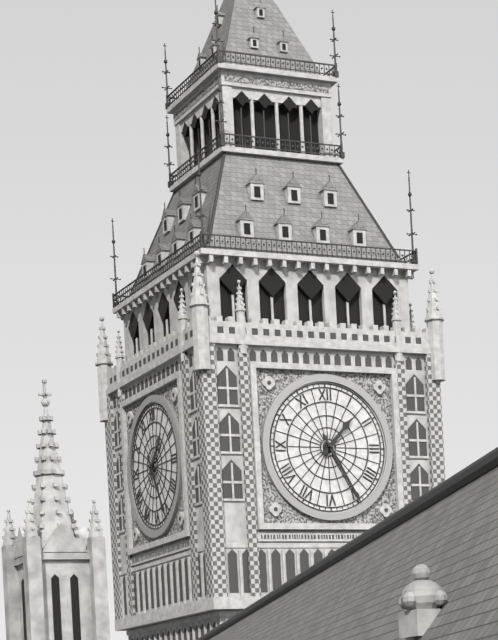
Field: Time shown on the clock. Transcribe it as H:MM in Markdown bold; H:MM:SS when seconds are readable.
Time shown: **1:25**
